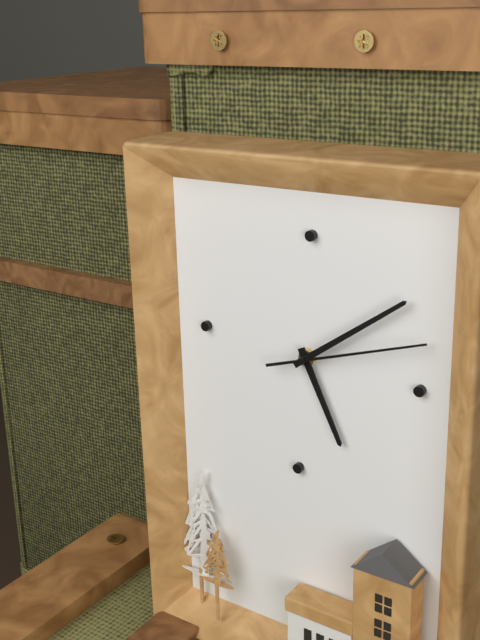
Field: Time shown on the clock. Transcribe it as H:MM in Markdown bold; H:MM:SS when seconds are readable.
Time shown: **5:09:12**
